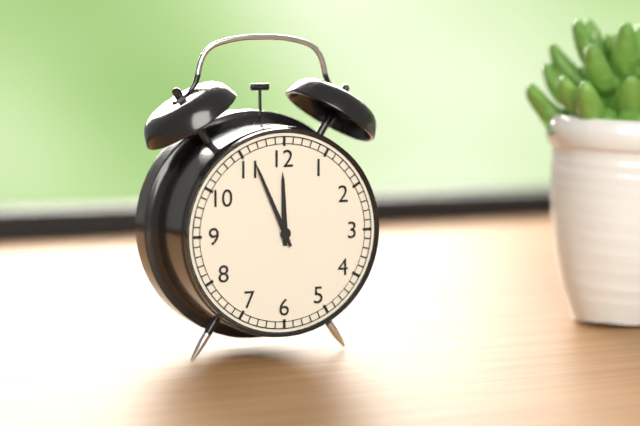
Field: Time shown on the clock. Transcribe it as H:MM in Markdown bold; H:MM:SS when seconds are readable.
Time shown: **11:56**
